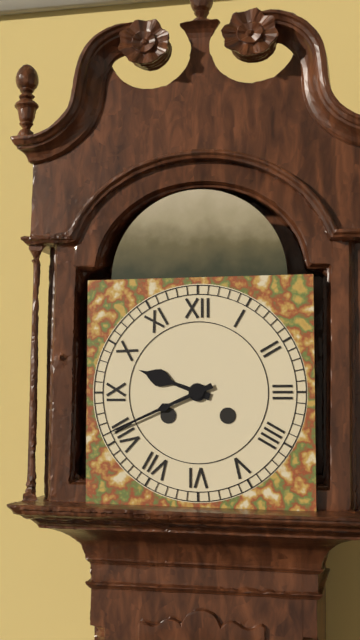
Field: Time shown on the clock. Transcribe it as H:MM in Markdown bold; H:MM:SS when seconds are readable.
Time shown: **9:41**
